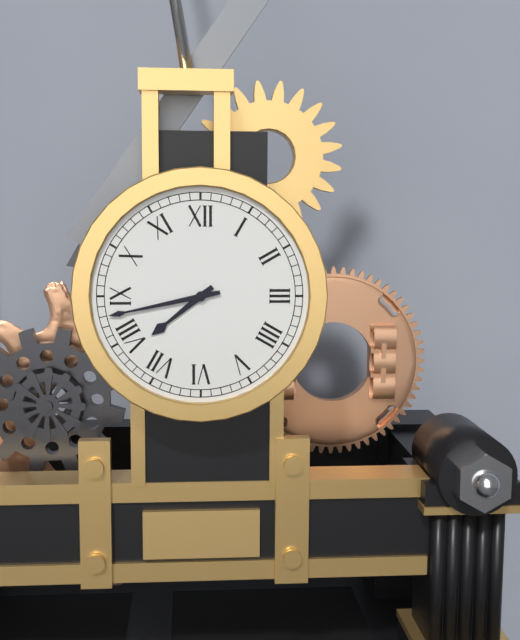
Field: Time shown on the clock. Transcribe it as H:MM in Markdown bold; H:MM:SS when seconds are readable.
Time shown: **7:43**
